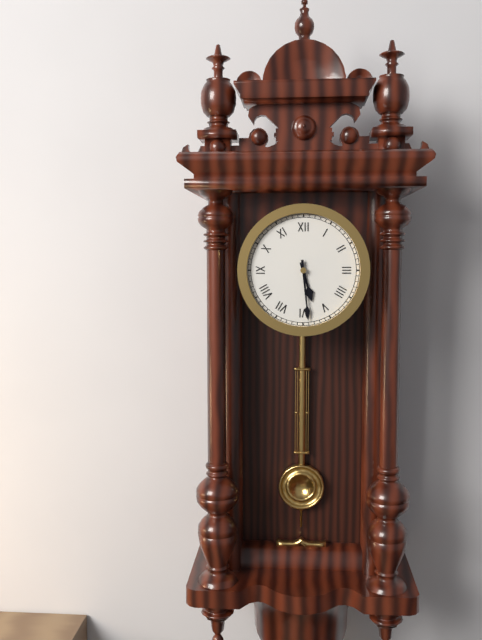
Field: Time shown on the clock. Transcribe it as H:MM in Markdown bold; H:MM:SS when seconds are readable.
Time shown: **5:29**
